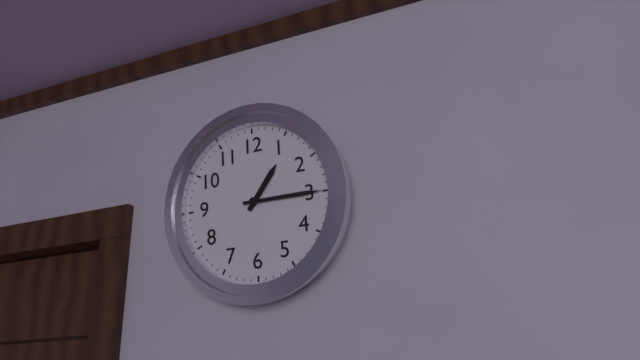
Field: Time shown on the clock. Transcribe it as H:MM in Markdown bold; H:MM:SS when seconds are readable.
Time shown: **1:15**
